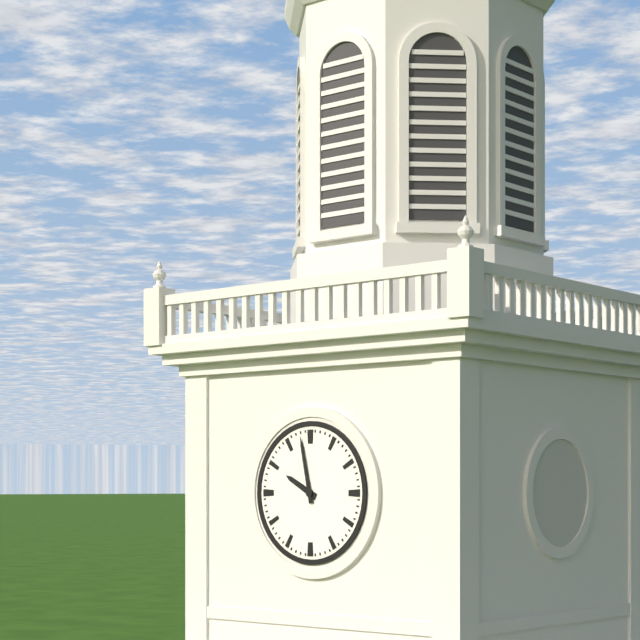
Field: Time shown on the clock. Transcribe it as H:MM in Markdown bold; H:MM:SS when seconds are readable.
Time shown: **9:58**
